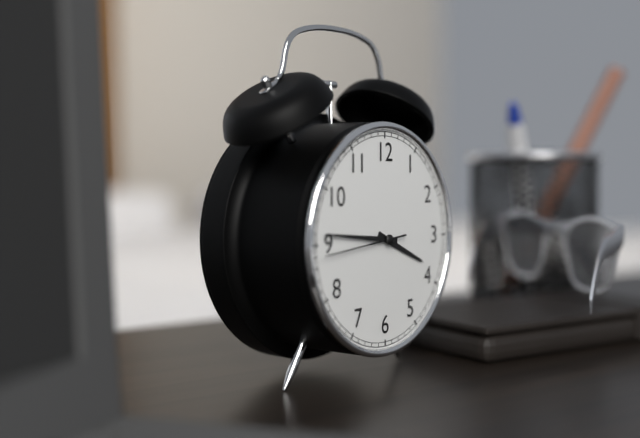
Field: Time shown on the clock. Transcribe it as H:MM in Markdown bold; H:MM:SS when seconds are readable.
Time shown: **3:46:44**
